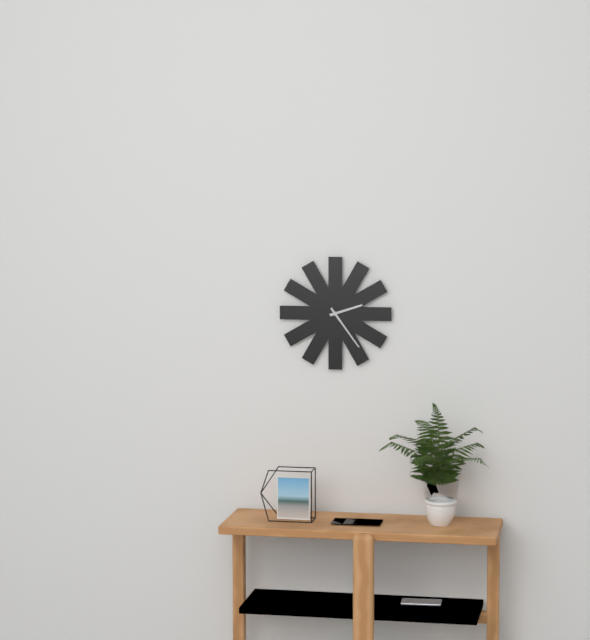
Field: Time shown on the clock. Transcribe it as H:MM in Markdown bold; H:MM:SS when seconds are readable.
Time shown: **2:24**
